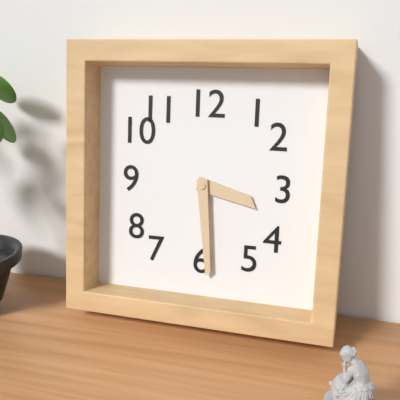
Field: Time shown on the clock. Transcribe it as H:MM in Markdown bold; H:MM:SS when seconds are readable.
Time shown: **3:29**
